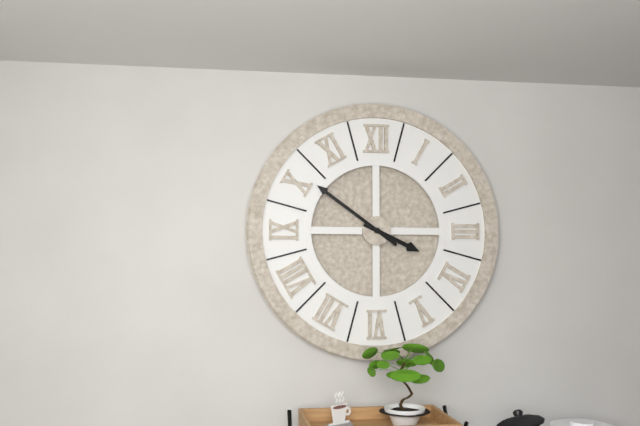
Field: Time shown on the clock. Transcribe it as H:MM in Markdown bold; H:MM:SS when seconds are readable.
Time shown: **3:51**
